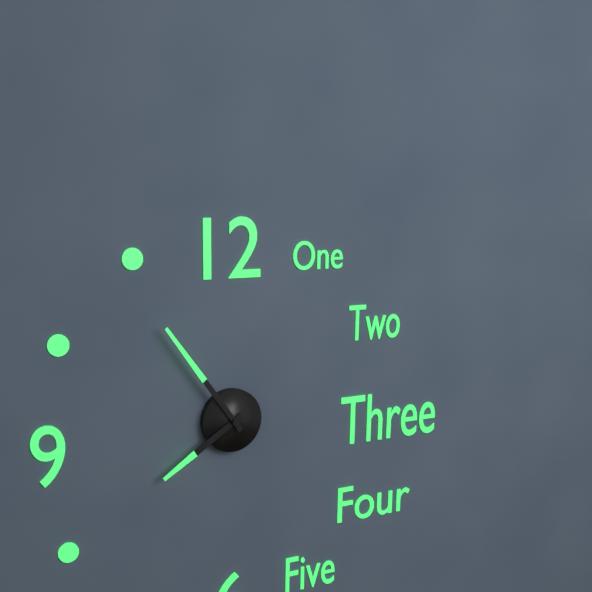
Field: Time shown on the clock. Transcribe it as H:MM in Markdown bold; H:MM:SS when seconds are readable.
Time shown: **7:54**
